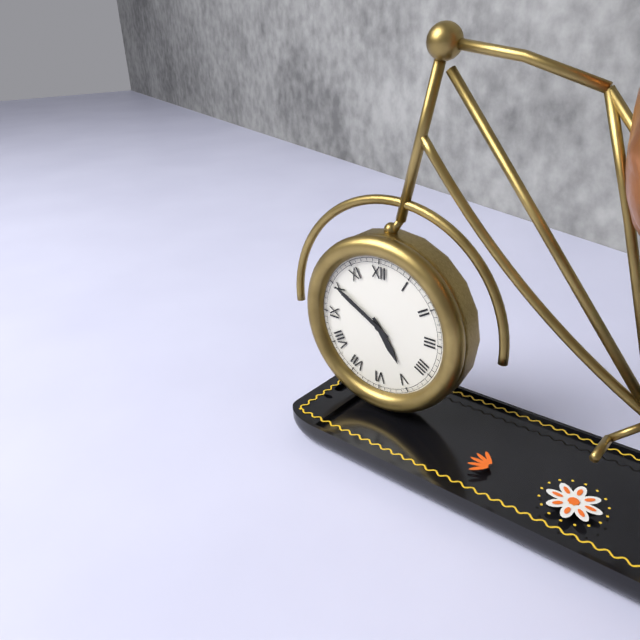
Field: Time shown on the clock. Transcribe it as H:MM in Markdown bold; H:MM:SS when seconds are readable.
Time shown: **4:50**
